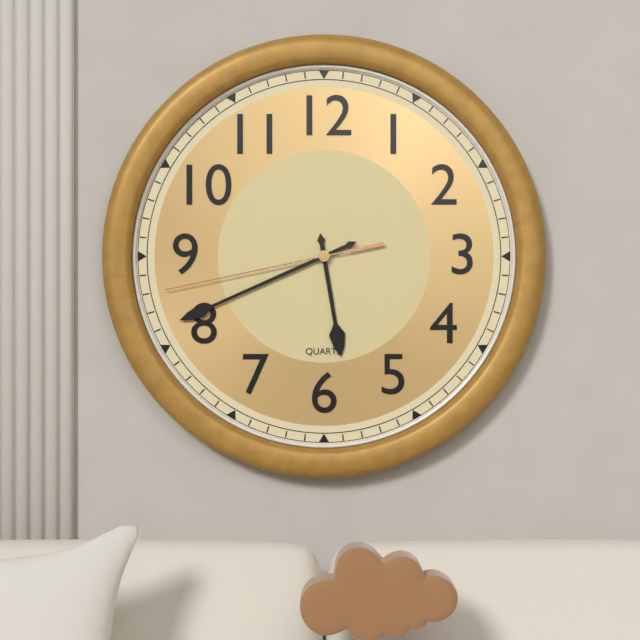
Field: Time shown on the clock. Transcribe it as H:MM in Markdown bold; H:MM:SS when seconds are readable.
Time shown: **5:41:43**
